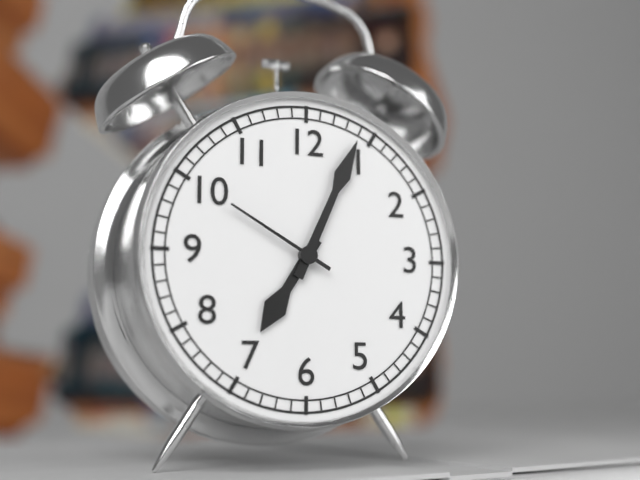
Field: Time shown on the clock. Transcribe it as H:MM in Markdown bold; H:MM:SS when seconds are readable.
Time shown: **7:04:50**
